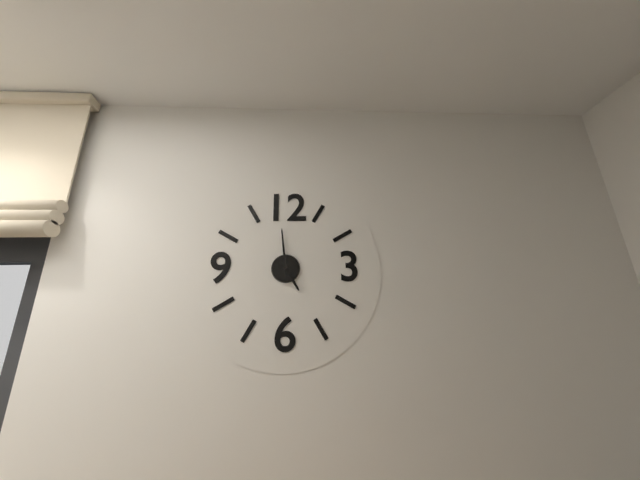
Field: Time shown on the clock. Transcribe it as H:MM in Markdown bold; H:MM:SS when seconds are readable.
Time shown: **4:59**
